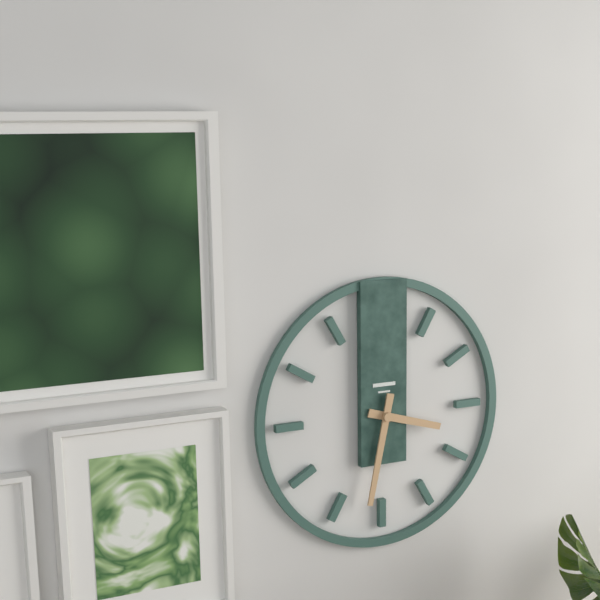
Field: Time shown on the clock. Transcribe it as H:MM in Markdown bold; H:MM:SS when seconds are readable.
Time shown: **3:32**
